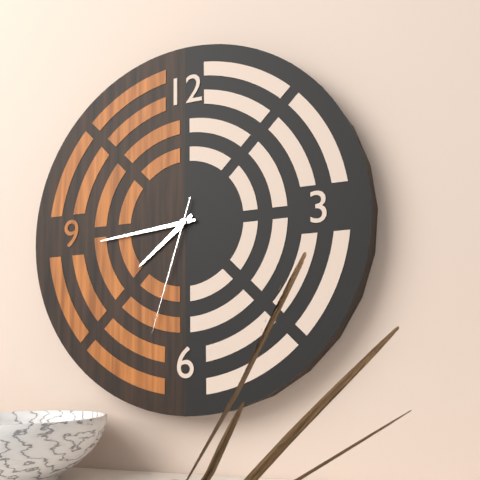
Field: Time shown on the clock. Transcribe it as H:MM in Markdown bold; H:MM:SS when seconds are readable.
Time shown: **7:44:33**
